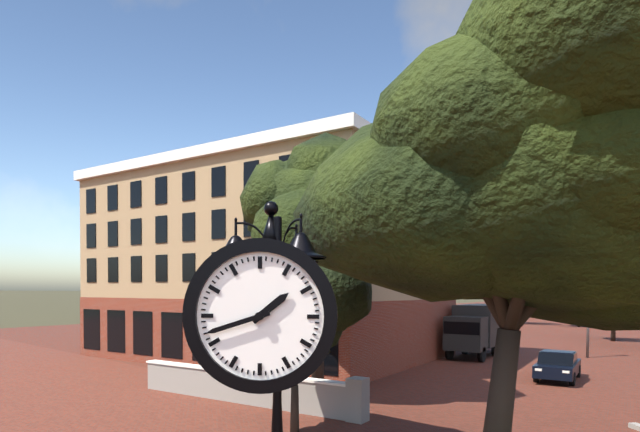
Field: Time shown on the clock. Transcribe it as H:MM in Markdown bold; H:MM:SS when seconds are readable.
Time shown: **1:42**
